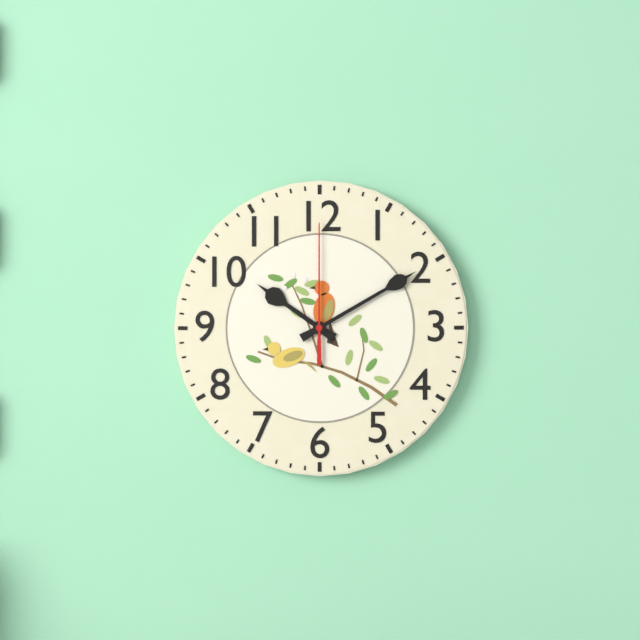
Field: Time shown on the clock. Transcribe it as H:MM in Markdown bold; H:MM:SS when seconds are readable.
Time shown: **10:10:00**
